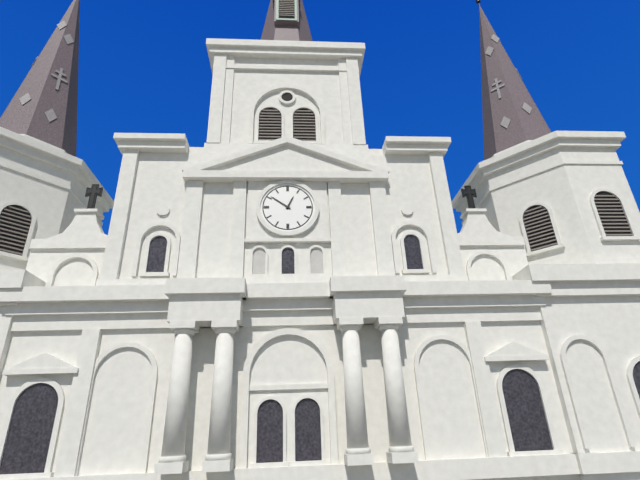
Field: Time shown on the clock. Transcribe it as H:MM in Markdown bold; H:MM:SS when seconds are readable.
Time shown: **12:51**
